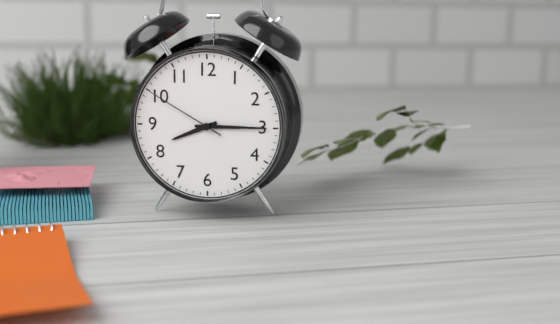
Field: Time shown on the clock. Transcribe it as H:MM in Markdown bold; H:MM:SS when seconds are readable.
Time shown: **8:15:50**
